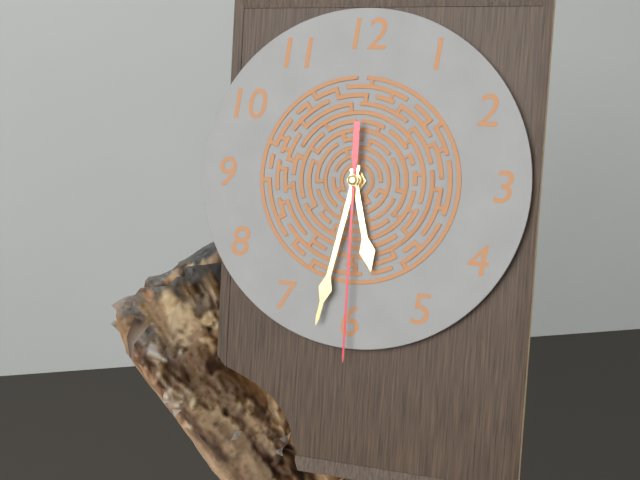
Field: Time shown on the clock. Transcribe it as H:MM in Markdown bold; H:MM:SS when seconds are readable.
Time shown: **5:32:30**
